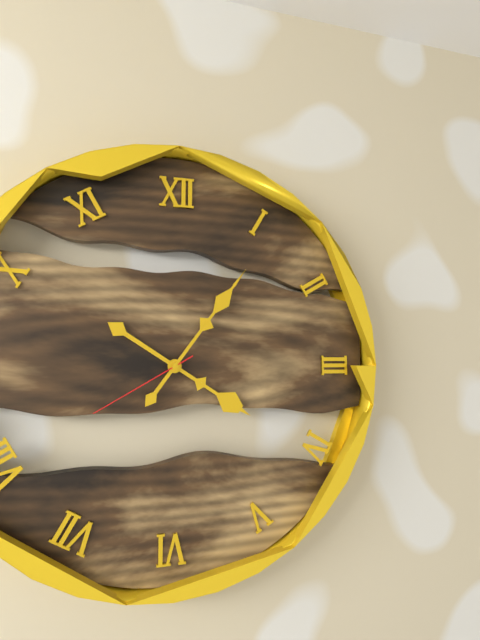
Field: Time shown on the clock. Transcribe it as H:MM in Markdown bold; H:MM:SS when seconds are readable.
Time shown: **4:06:40**
